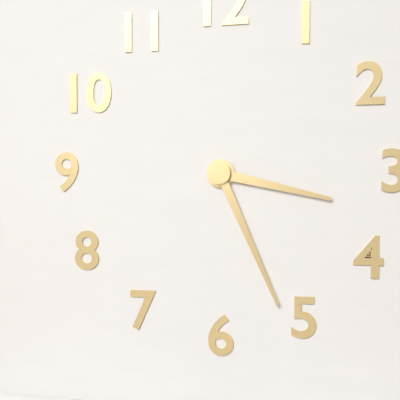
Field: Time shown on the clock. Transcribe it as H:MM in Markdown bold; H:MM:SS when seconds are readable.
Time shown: **3:26**
